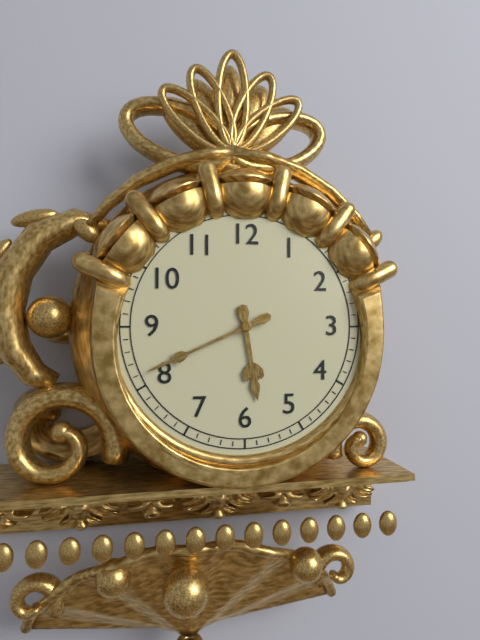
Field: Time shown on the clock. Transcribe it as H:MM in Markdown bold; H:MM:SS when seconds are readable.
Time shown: **5:41**
